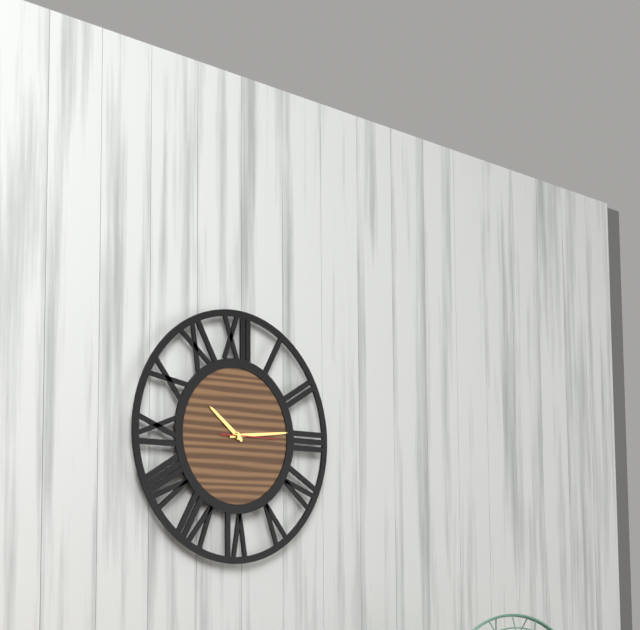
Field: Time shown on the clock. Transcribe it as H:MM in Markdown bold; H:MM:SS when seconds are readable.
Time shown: **10:14:15**
